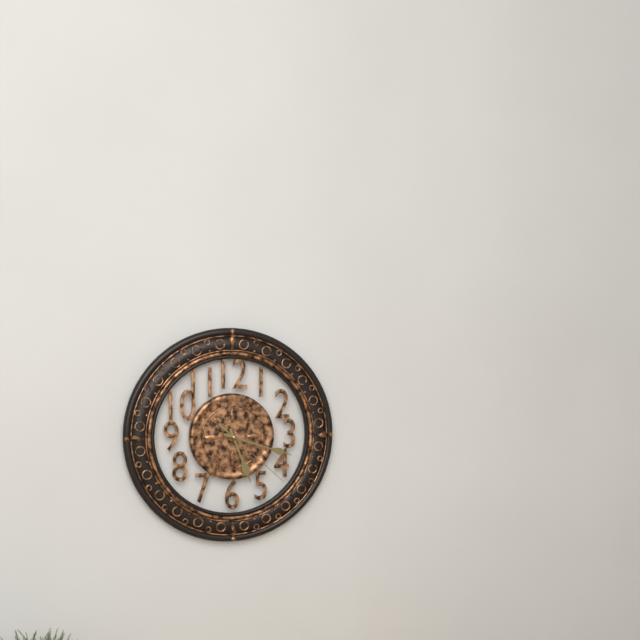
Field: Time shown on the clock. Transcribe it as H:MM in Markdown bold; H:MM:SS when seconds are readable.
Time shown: **5:18:22**
